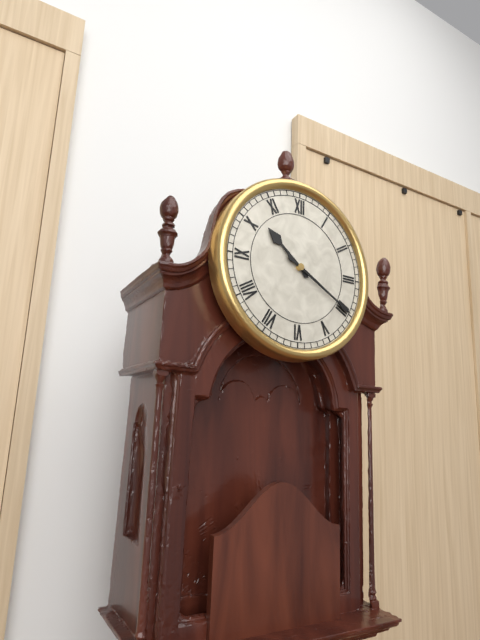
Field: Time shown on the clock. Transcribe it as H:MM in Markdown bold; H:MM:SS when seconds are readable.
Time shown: **10:20**
